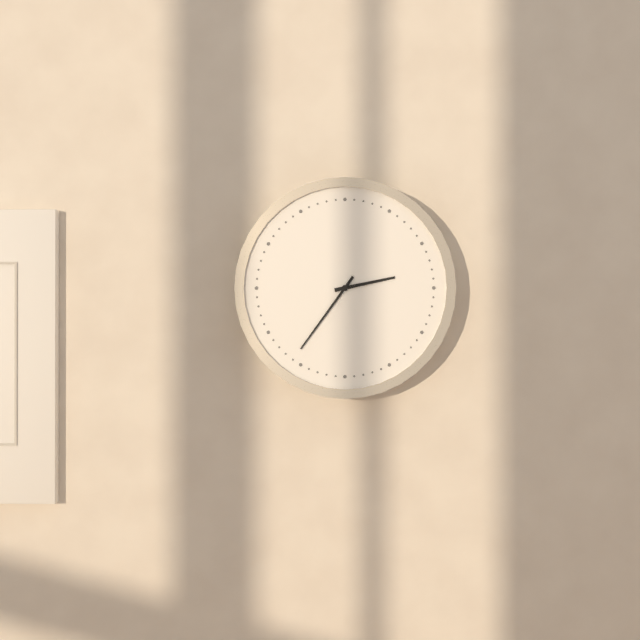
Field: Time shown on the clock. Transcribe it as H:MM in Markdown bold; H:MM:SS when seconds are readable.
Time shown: **2:36**
